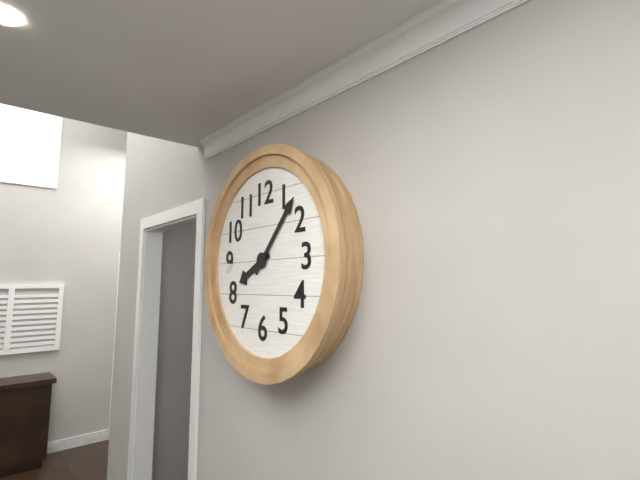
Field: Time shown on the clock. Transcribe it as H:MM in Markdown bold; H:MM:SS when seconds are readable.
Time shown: **8:07**
